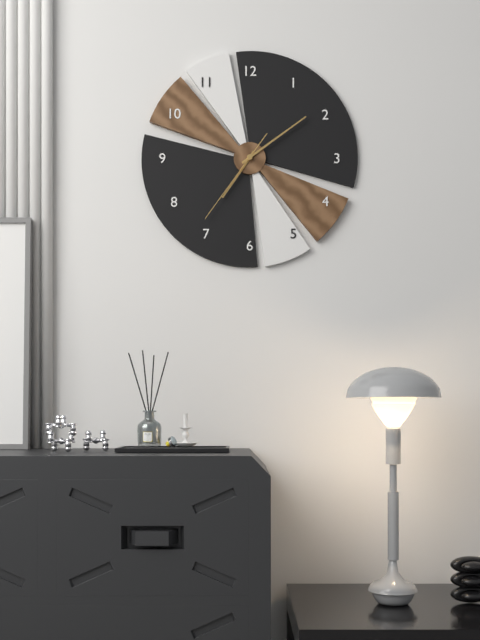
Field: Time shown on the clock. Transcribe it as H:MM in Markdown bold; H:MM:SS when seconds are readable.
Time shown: **7:09:36**
